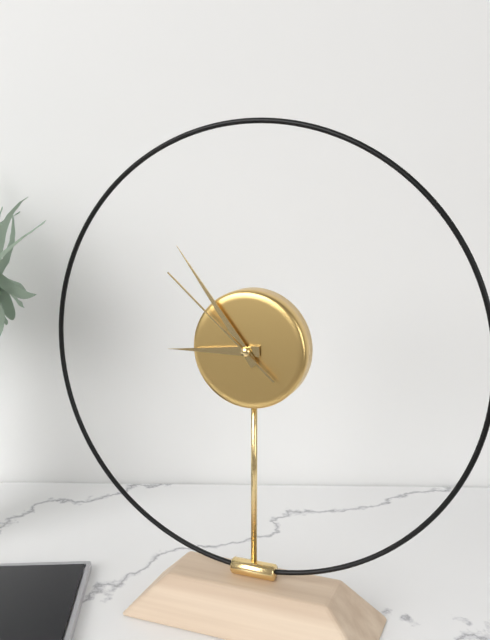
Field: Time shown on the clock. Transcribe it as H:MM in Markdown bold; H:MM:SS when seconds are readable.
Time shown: **8:54:52**
